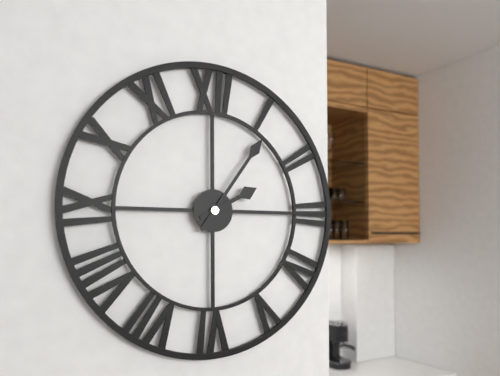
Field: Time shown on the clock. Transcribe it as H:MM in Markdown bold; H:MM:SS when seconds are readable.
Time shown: **2:06**
